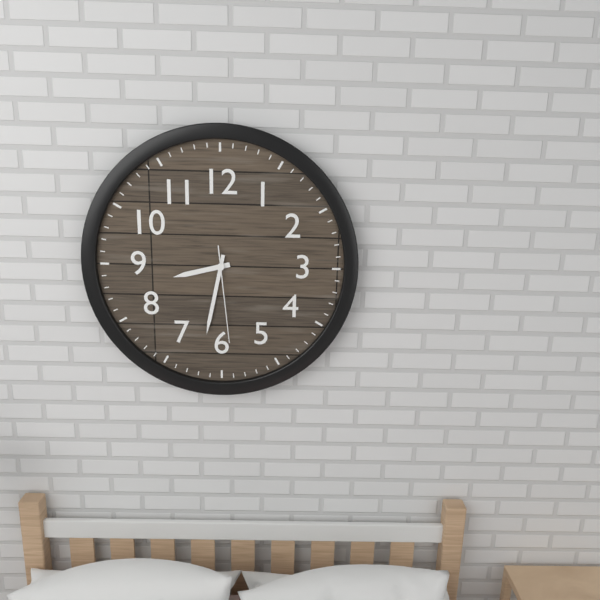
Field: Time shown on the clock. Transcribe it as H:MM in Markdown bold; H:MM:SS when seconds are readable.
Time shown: **8:32:29**
